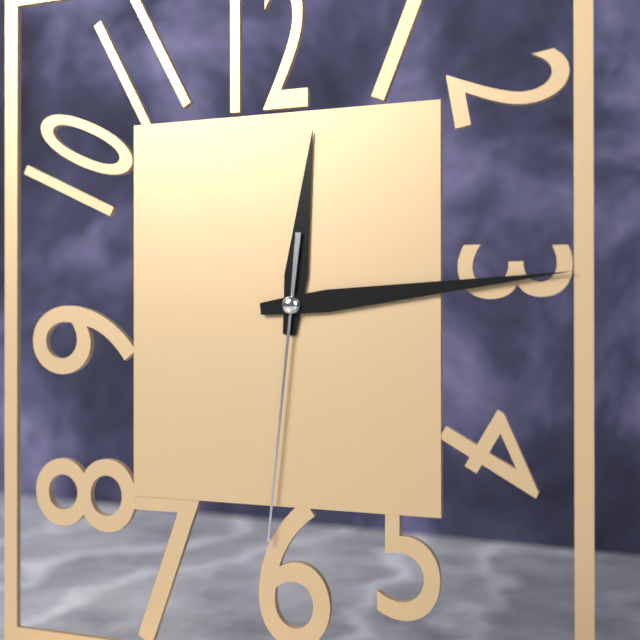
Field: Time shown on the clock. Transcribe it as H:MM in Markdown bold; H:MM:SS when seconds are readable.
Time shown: **12:14:31**
